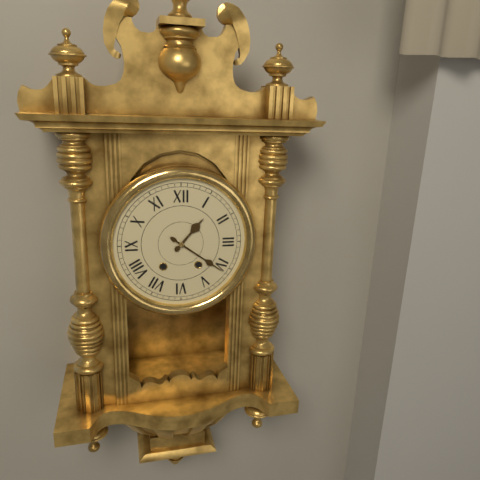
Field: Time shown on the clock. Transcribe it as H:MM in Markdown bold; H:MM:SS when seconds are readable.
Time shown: **1:21**
